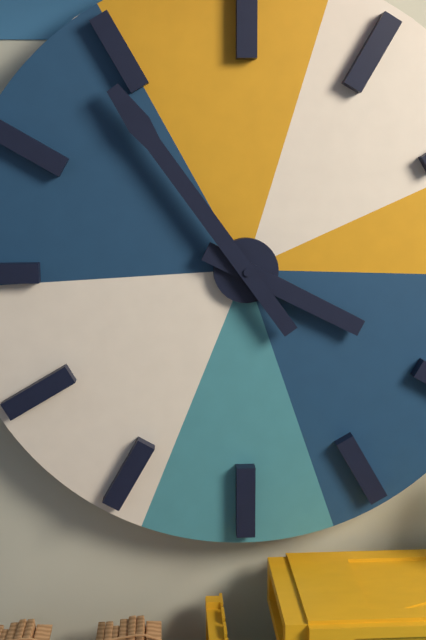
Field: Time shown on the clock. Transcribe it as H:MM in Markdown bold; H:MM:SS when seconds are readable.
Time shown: **3:54**
